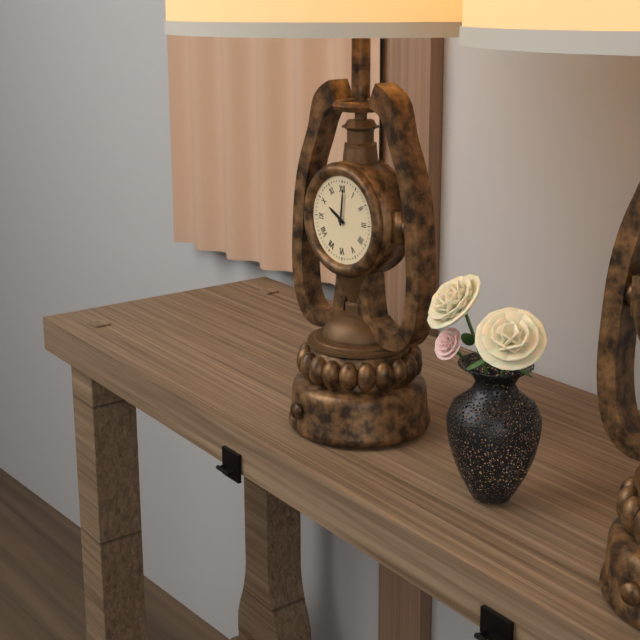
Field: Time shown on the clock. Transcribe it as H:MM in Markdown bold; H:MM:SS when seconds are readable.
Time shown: **10:01**
